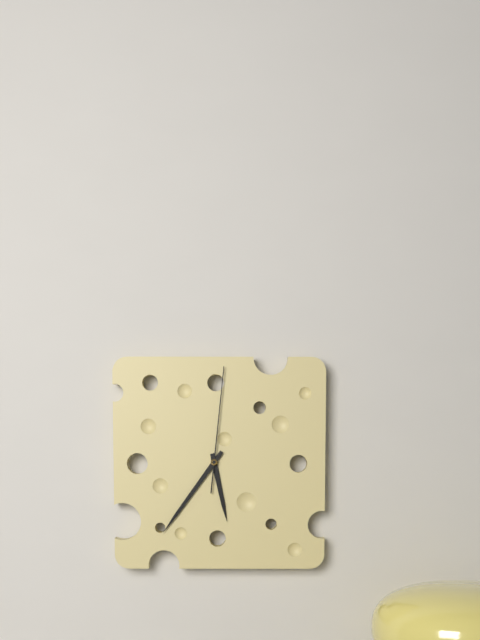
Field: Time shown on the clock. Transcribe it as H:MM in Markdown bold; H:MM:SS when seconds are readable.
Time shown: **5:36:01**
